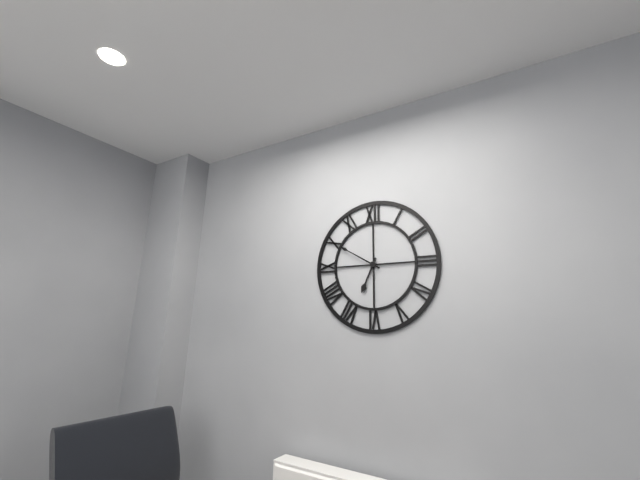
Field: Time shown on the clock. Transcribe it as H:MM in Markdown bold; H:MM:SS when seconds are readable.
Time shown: **6:50**
